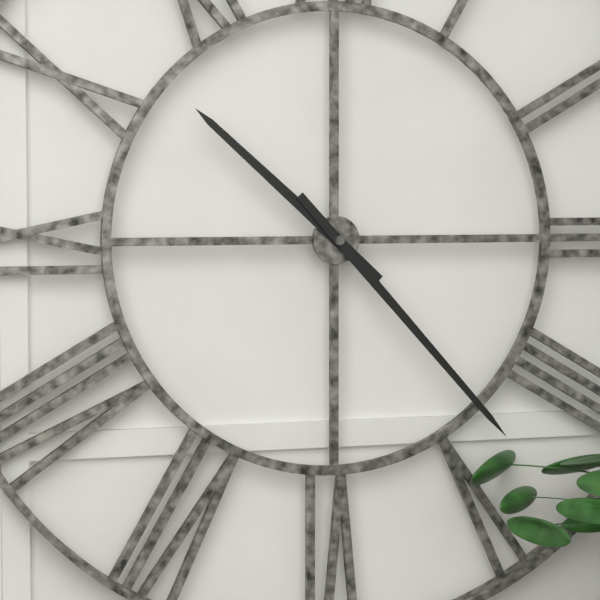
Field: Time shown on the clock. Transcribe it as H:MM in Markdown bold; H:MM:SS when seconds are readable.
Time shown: **10:23**
